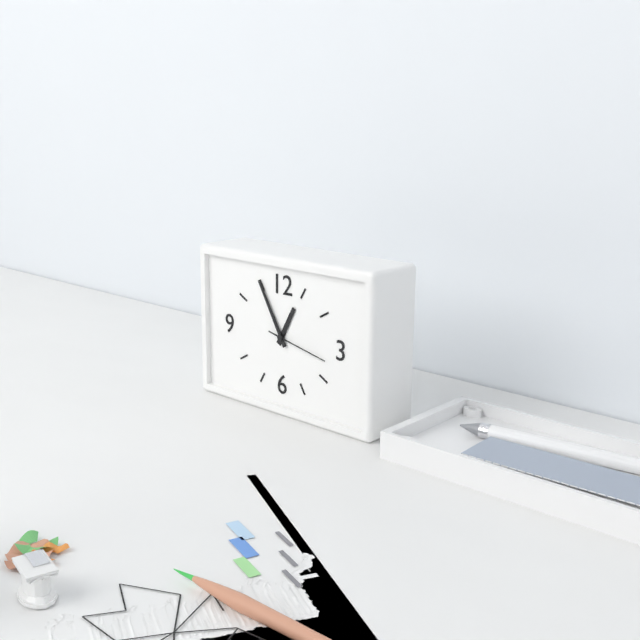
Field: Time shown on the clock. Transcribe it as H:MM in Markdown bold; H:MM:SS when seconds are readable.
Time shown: **12:55:17**
